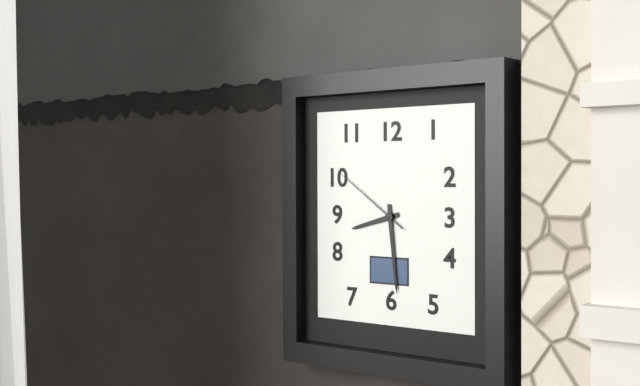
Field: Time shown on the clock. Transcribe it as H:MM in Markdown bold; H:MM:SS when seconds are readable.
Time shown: **8:29:51**
